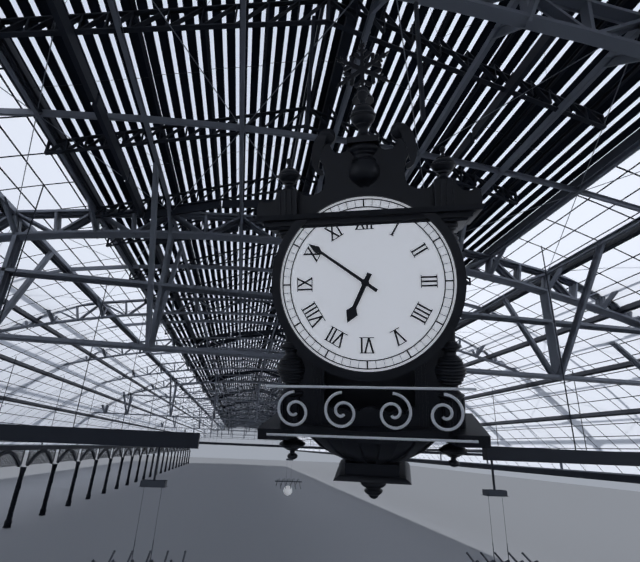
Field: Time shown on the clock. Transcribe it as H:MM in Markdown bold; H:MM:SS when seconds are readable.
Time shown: **6:51**
